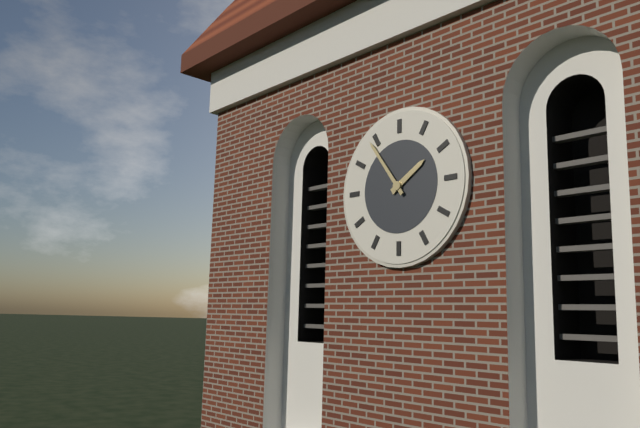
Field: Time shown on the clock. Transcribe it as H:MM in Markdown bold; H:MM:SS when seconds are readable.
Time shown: **1:54**
